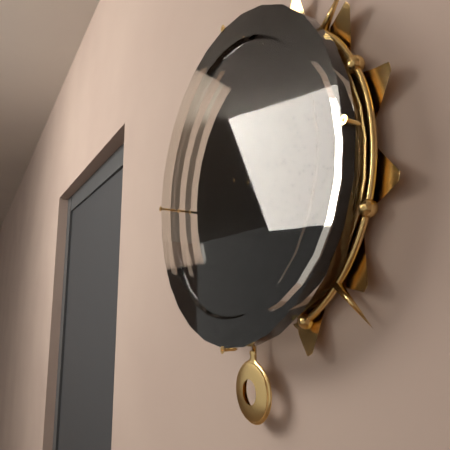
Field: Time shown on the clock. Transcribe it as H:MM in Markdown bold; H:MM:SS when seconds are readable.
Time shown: **4:10**
